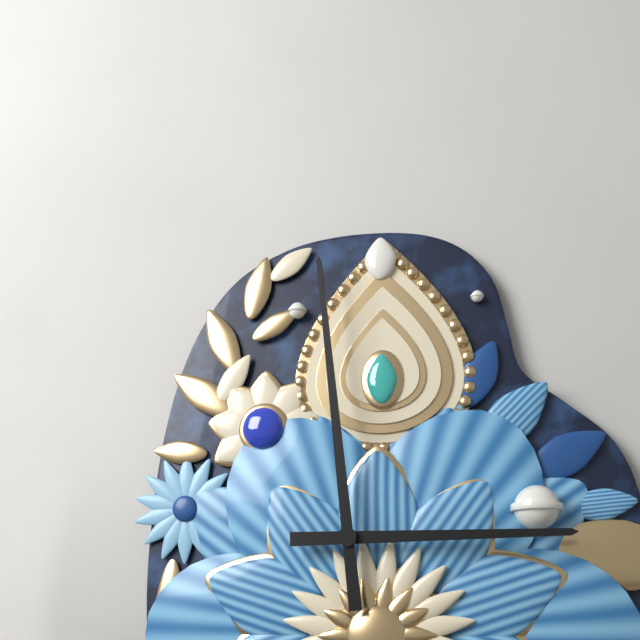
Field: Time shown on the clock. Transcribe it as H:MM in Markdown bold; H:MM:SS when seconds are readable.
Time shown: **2:59**
